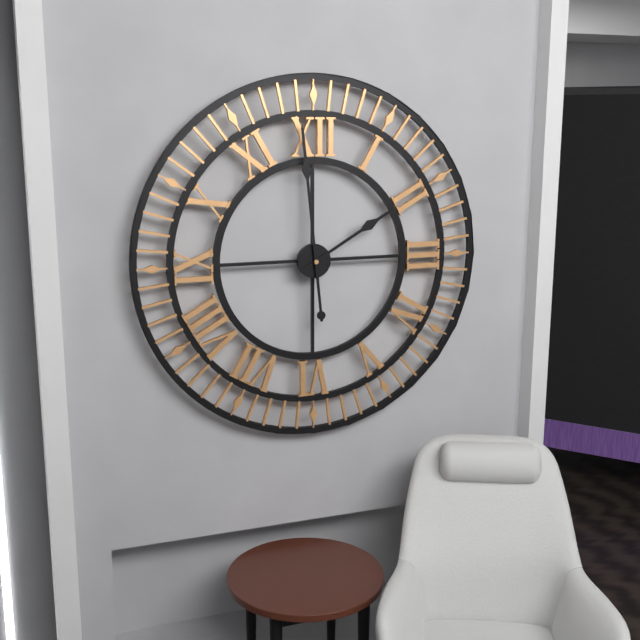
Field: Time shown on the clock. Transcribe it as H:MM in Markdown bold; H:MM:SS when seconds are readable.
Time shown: **1:59**
